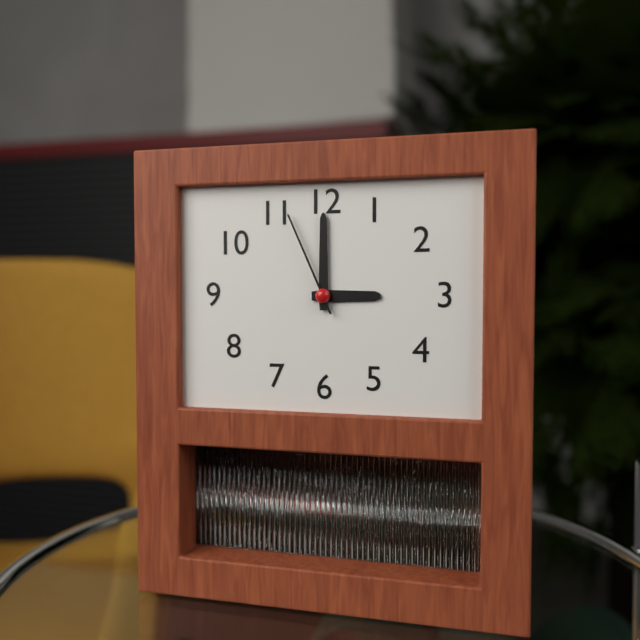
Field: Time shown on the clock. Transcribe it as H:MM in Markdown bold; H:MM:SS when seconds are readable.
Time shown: **3:00:56**
